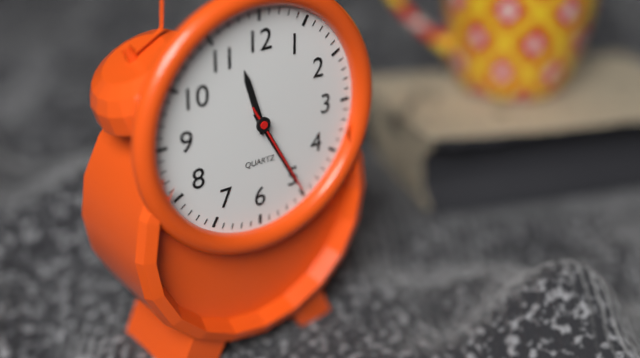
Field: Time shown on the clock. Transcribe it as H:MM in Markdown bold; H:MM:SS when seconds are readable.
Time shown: **11:25:25**
